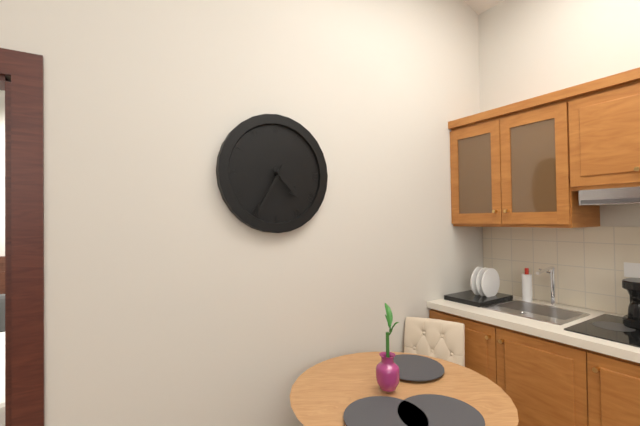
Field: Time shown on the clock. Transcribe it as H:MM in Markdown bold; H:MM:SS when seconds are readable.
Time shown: **4:35**
